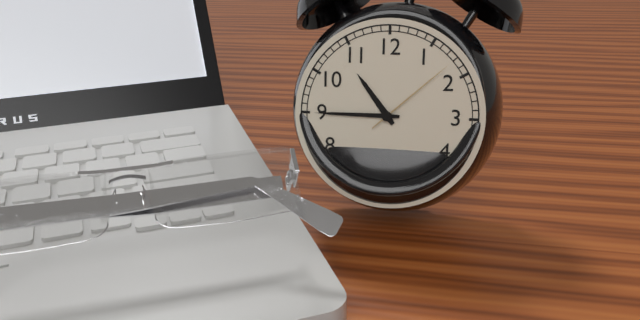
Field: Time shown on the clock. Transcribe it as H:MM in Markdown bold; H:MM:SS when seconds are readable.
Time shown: **10:45:08**
